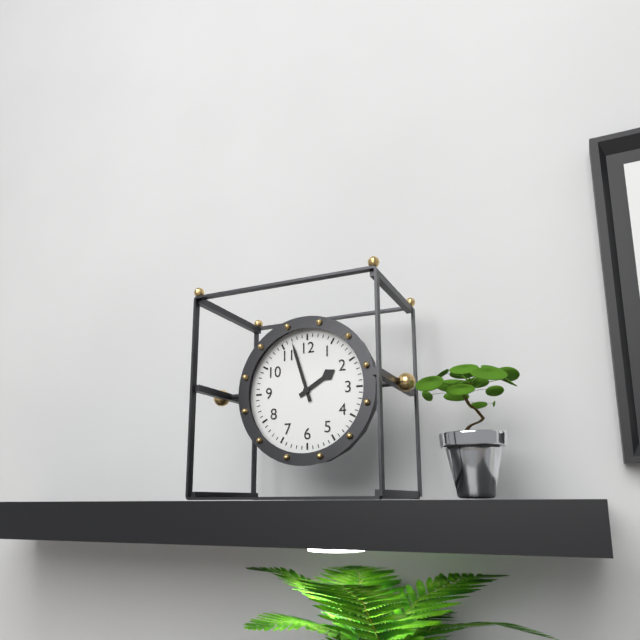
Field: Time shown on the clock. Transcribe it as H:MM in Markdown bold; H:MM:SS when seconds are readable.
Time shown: **1:57**
